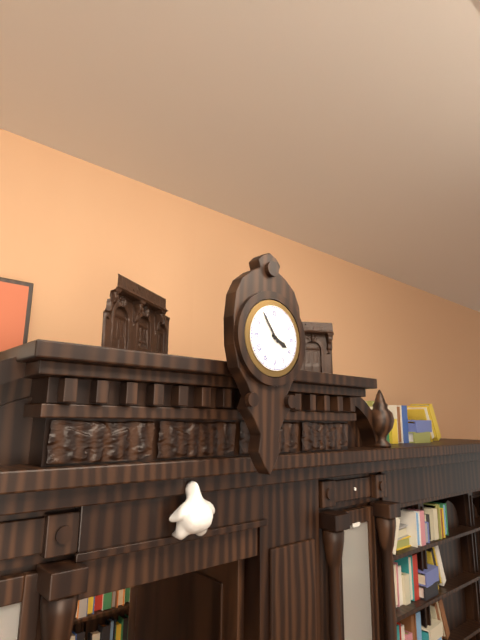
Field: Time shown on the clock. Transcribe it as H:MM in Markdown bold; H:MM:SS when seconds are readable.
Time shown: **3:54**
